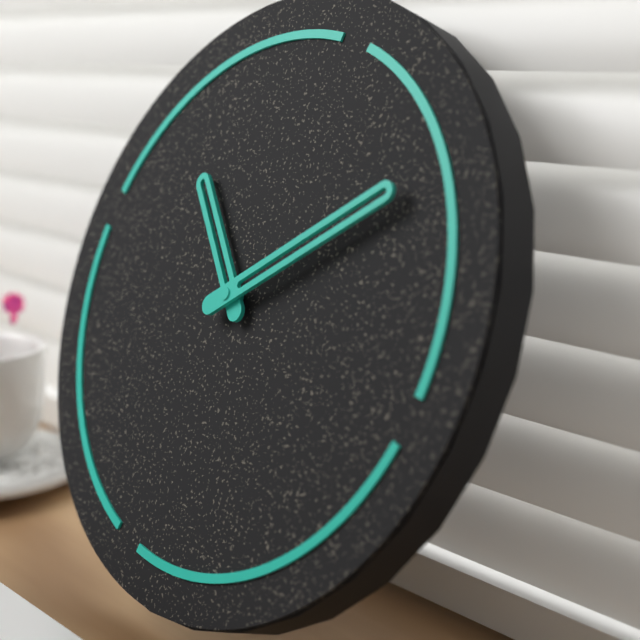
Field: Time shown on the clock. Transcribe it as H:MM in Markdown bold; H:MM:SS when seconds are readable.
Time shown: **10:07**
